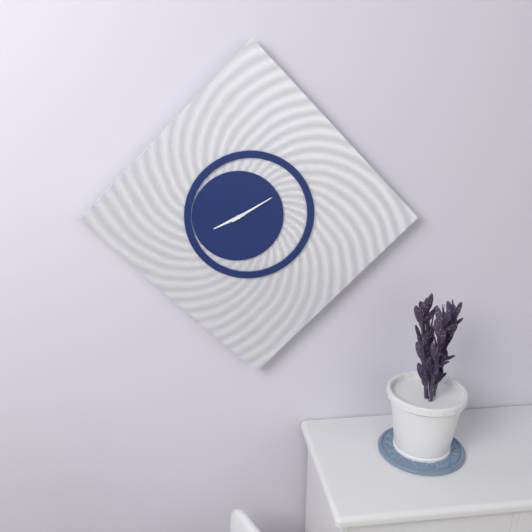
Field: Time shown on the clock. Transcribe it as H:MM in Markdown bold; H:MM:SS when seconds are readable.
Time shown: **8:10**
